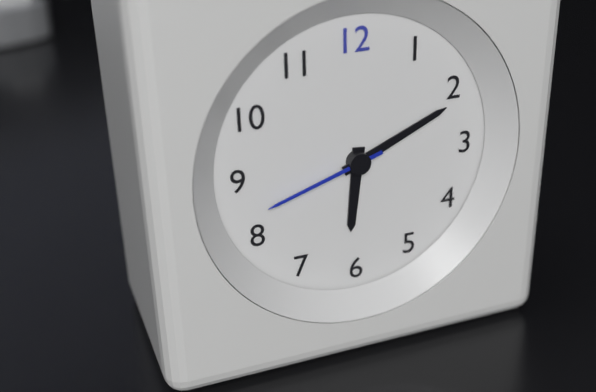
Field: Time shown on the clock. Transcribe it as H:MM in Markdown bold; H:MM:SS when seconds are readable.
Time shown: **6:11:42**
